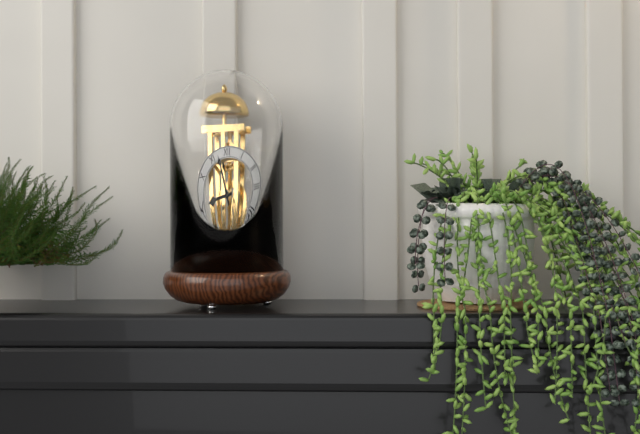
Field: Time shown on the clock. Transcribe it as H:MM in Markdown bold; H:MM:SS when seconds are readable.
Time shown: **8:57**
